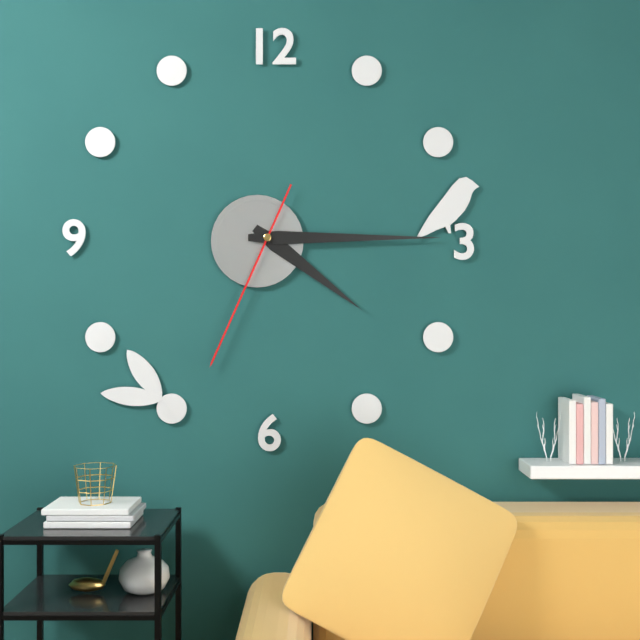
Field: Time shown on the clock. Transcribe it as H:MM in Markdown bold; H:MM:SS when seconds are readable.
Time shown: **4:15:34**
